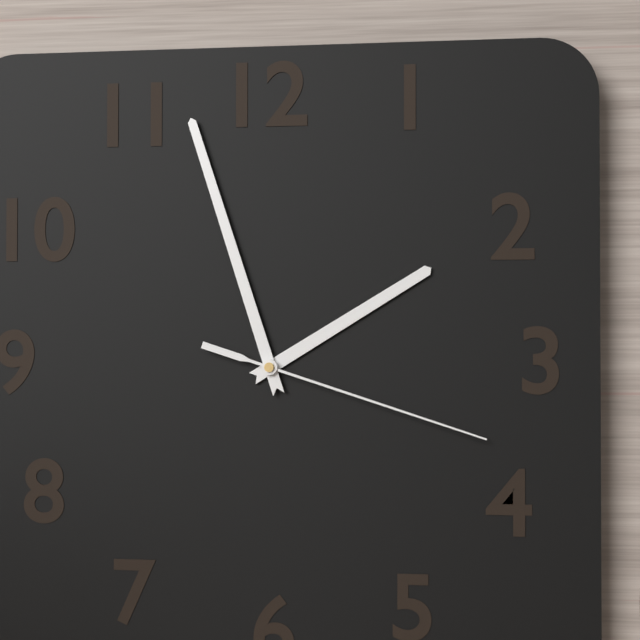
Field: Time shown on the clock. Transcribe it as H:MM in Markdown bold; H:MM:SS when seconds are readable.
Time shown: **1:57:18**
